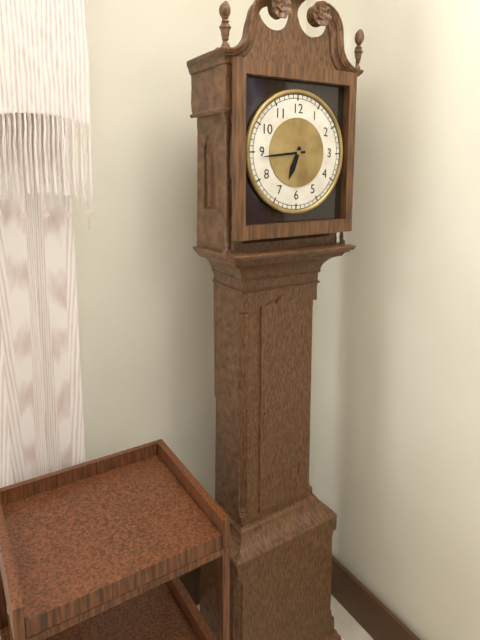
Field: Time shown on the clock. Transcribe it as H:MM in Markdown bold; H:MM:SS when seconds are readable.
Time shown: **6:44**
